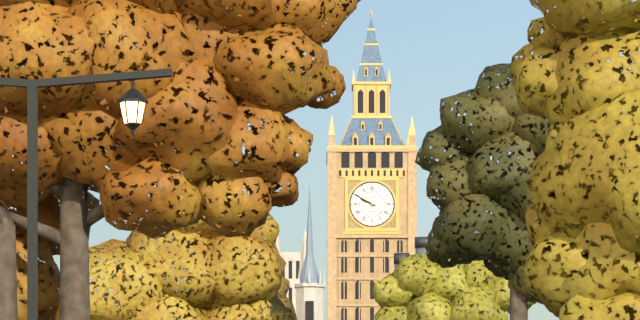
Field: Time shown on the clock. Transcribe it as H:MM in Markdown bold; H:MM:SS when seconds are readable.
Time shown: **9:50**
